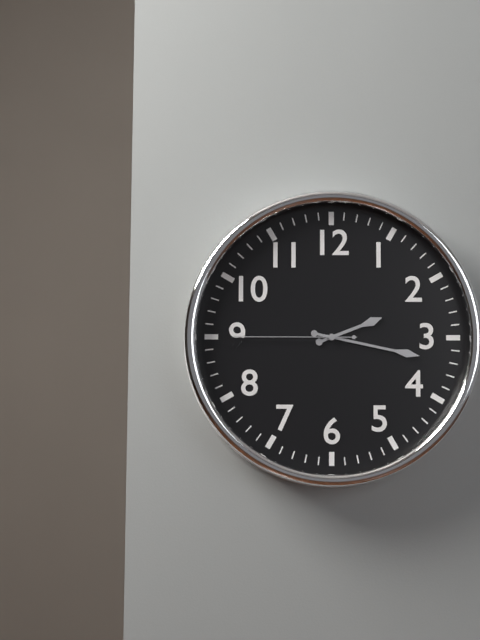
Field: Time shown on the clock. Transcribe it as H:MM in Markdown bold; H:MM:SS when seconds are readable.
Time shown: **2:17:45**
